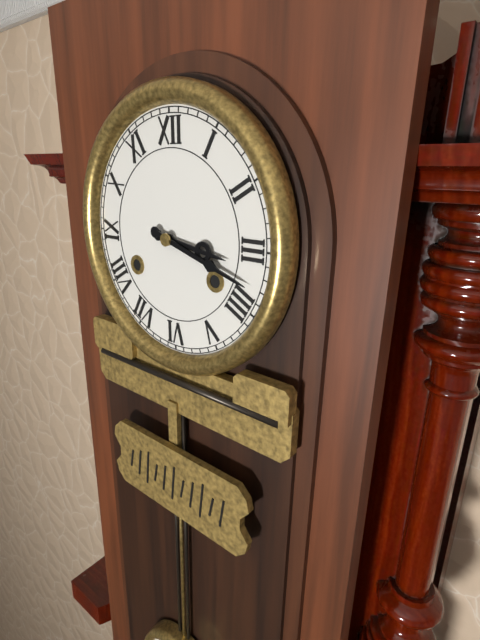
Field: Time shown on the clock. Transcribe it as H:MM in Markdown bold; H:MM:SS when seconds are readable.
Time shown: **3:18**
